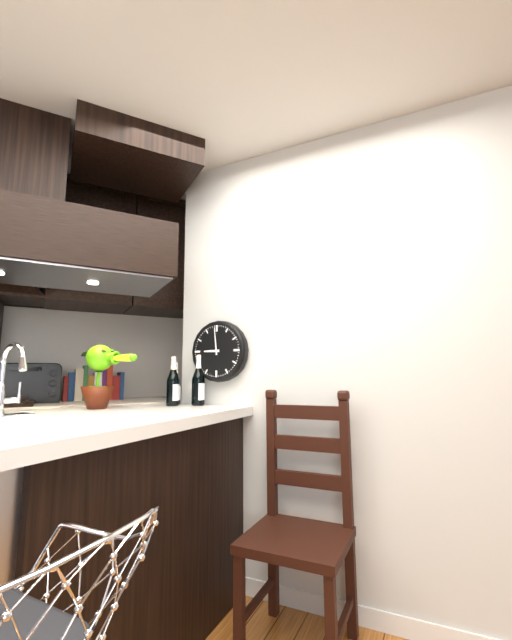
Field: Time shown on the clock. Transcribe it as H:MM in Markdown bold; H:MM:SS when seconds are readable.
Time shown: **8:59**
